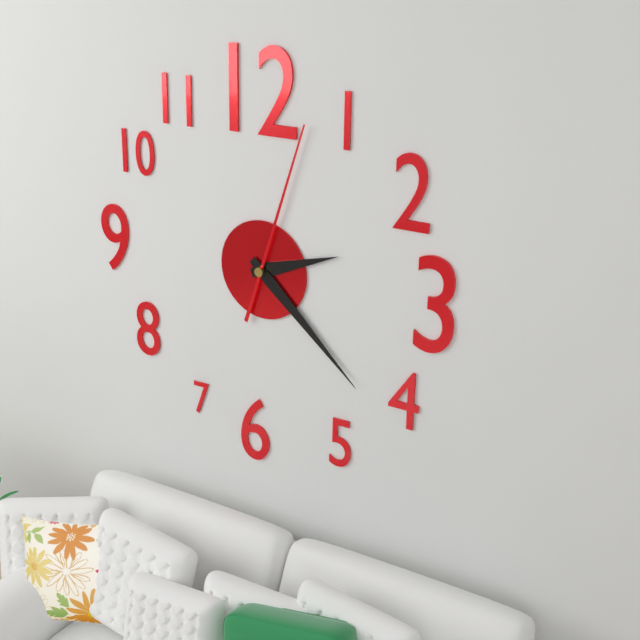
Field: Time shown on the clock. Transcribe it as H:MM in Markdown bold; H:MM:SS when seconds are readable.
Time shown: **2:22:03**
